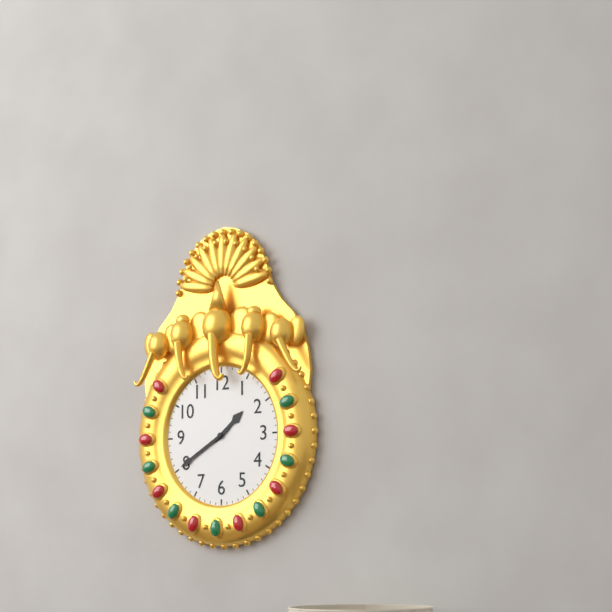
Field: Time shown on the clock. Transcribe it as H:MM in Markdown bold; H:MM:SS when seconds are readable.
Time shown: **1:40**
